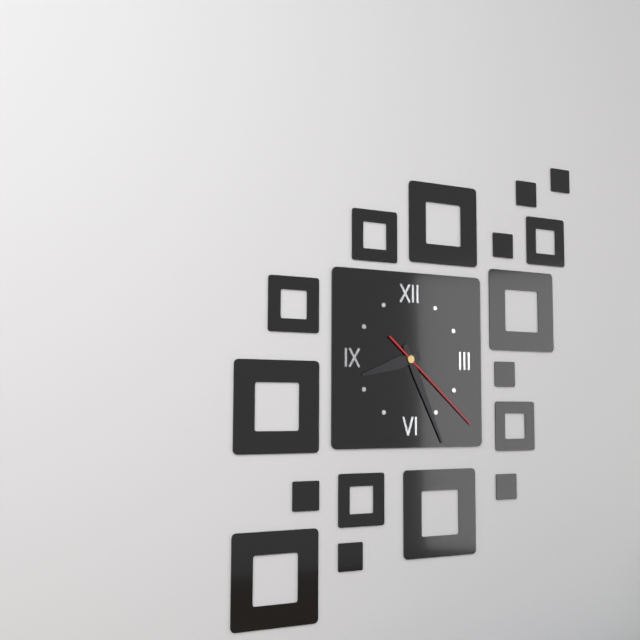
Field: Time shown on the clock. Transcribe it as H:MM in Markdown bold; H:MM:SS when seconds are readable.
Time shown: **8:26:22**
